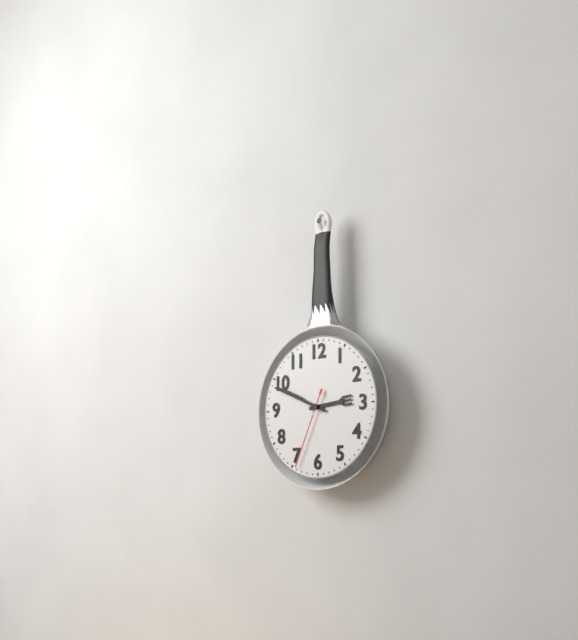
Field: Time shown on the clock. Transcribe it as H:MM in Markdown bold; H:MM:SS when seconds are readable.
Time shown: **2:49:34**
